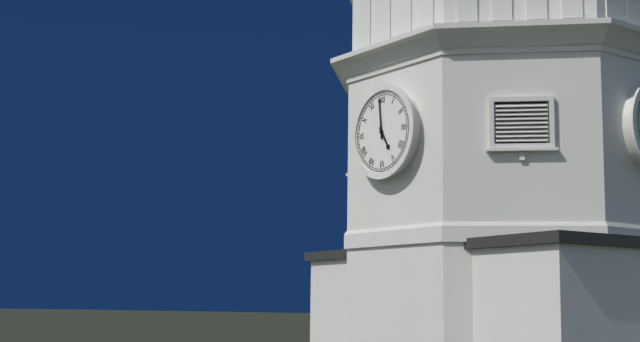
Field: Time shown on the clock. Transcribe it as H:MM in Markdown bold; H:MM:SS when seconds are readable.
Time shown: **4:59**
